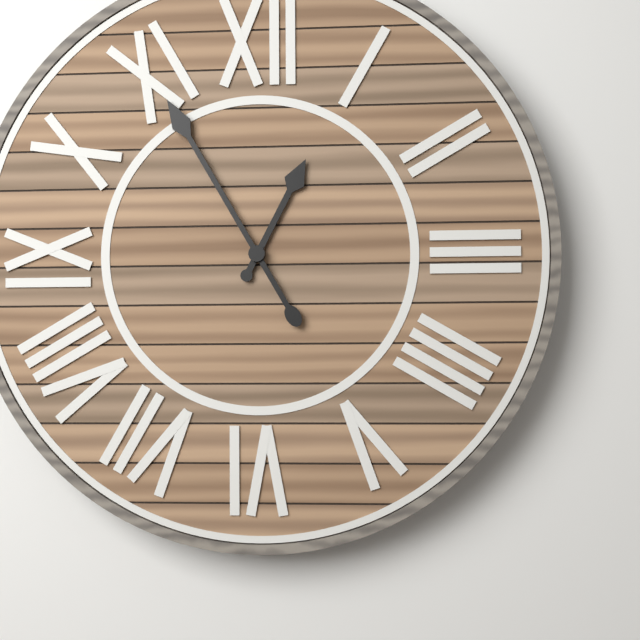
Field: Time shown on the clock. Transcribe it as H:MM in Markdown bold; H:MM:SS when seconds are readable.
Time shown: **12:55**
